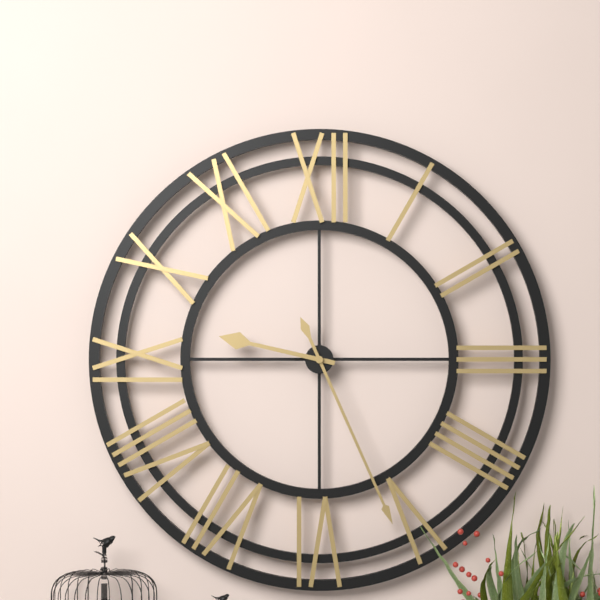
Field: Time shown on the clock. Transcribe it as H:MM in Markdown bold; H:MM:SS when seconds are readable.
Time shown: **9:26**
